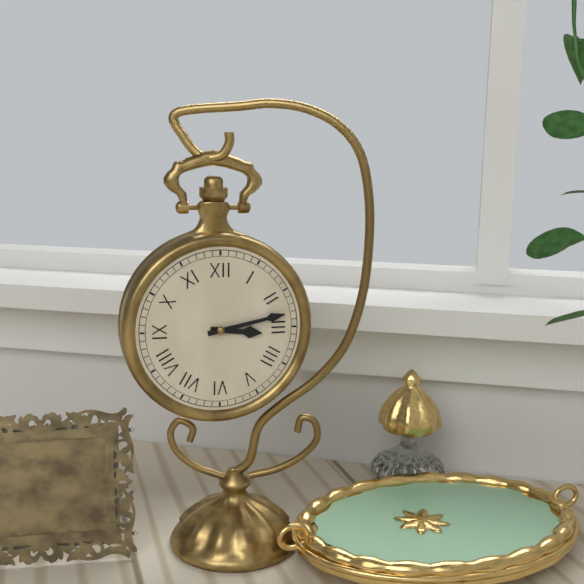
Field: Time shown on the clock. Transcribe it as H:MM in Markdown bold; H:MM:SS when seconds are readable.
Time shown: **3:13**
